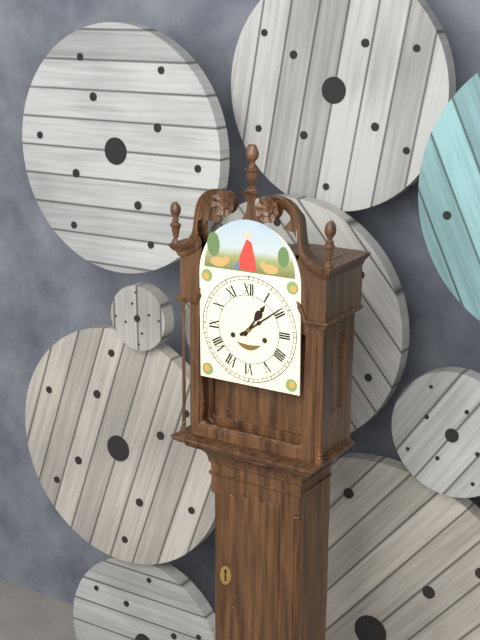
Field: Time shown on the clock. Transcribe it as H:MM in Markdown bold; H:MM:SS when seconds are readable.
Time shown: **1:09**
